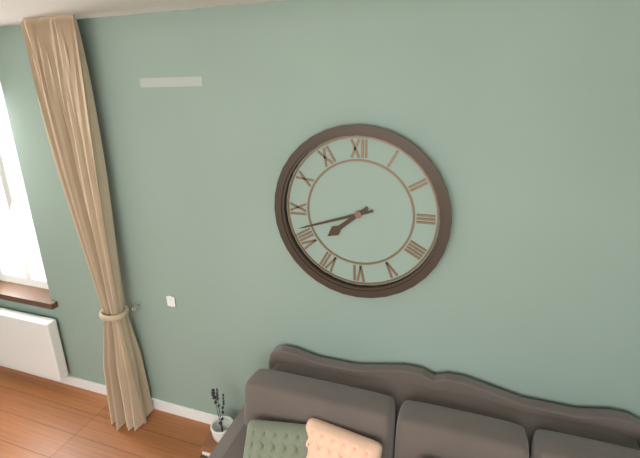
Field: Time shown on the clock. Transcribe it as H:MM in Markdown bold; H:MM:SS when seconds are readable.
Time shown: **7:42**
